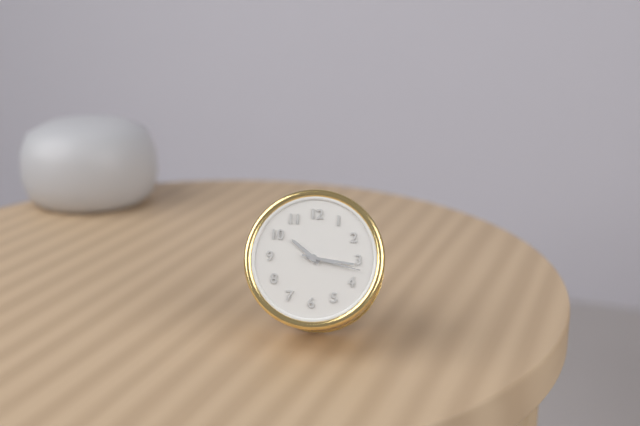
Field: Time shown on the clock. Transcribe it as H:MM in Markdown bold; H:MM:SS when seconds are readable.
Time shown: **10:16:17**
